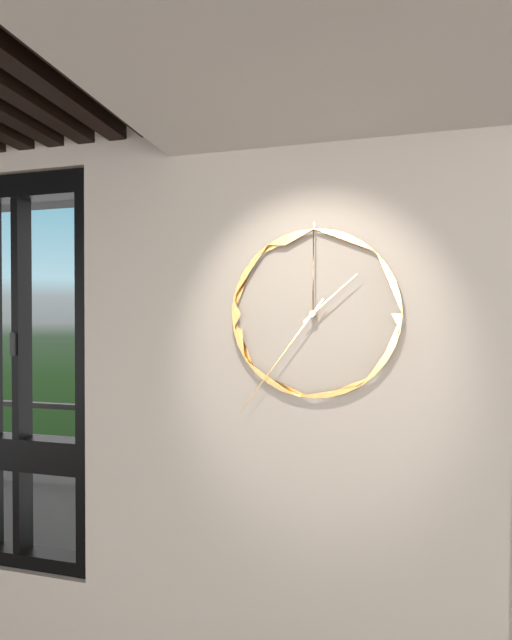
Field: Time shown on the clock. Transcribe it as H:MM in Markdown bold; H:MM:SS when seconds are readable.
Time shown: **1:36**
